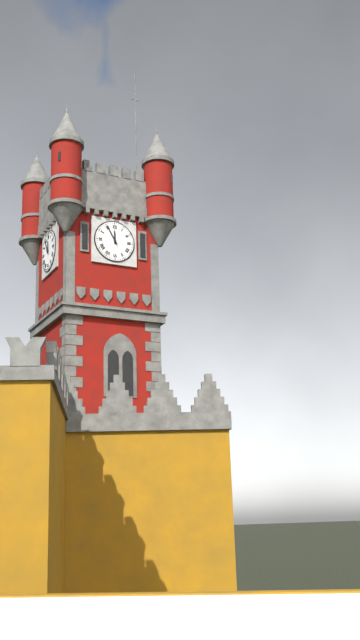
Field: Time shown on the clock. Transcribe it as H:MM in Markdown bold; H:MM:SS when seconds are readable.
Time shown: **11:55**
